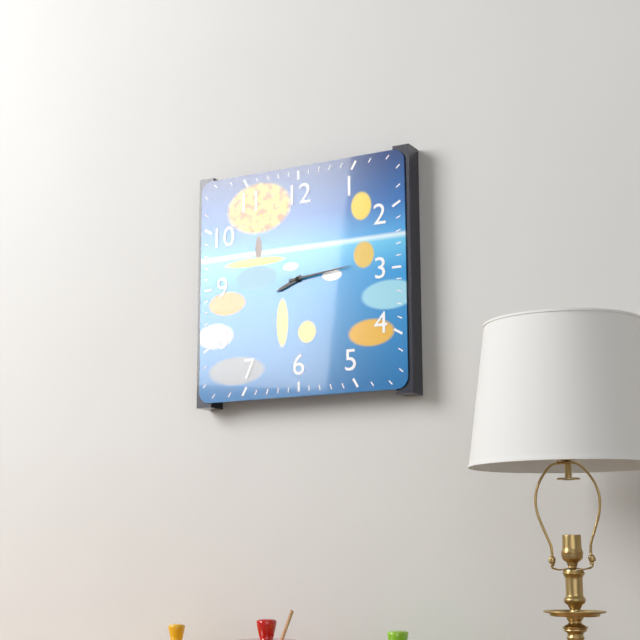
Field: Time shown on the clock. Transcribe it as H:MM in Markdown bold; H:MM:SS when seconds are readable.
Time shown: **8:14**
